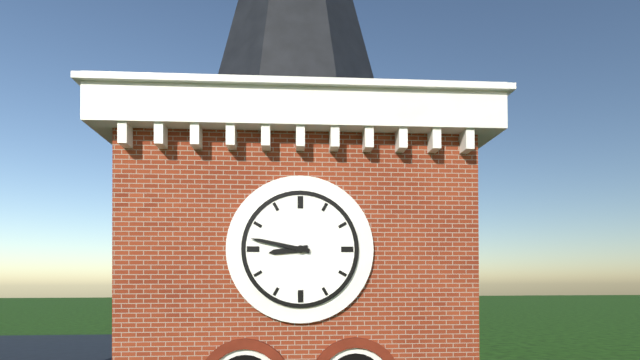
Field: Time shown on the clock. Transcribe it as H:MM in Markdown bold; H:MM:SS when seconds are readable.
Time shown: **8:47**
